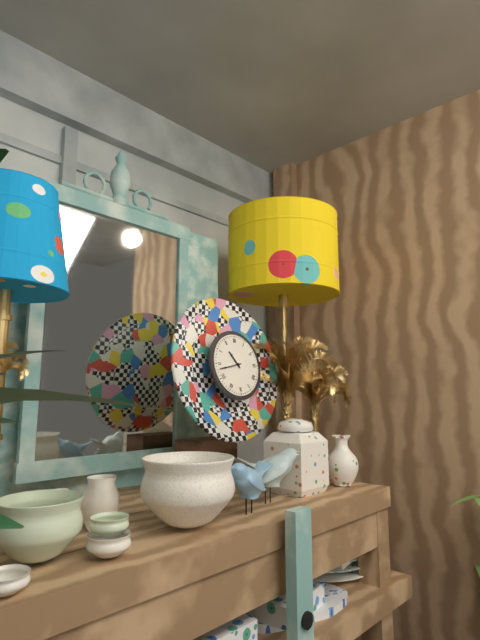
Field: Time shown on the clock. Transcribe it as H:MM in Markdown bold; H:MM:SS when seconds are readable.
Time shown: **10:43**
